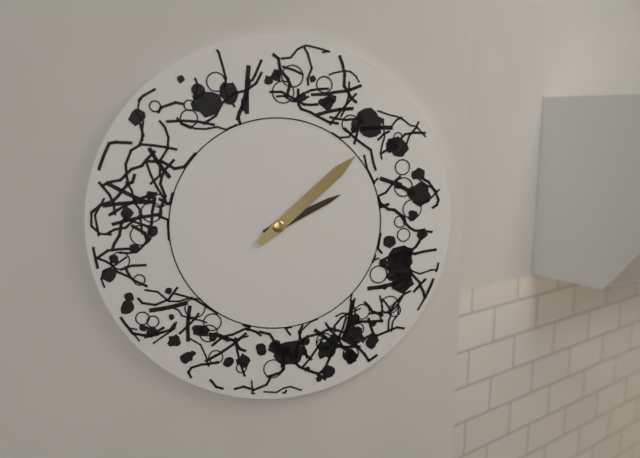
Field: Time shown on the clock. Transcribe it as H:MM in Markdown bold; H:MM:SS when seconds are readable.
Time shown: **2:08**
